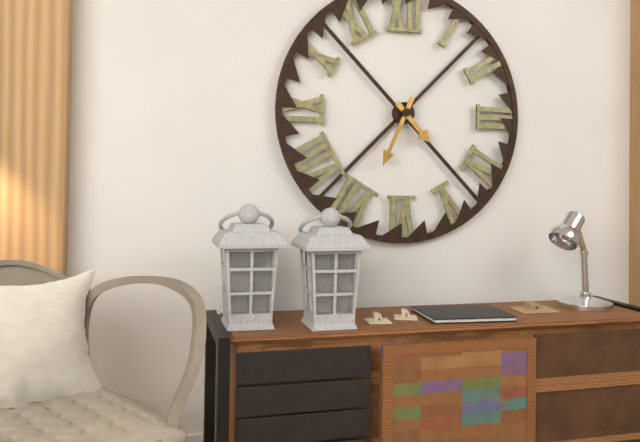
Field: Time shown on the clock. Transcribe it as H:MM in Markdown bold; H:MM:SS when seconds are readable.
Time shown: **4:34**
